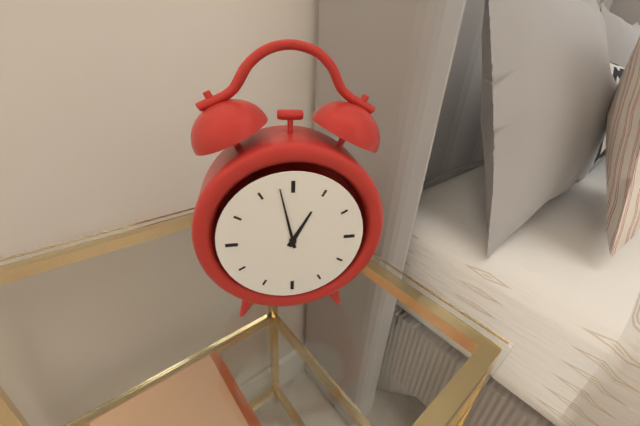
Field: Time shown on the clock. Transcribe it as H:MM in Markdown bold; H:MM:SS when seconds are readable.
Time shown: **12:58**
